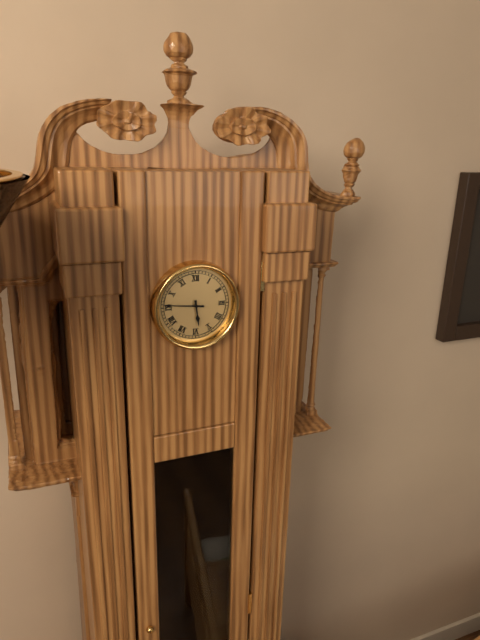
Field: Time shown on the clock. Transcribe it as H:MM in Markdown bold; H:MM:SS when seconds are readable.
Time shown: **5:46**
